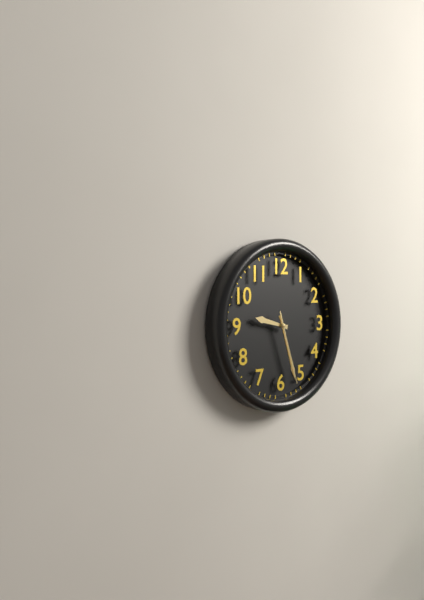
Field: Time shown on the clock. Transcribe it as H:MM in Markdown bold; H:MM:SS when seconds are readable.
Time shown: **9:27:27**
